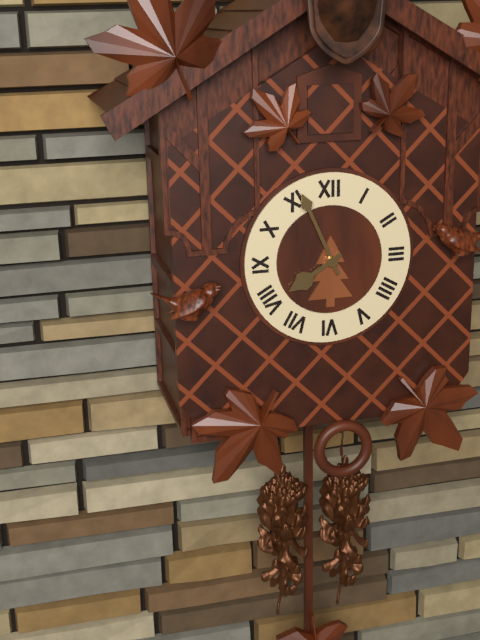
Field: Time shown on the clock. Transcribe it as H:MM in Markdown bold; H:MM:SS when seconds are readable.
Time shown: **7:56**
